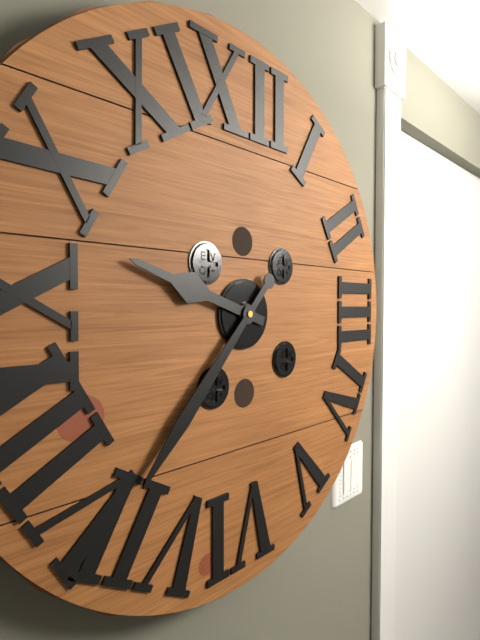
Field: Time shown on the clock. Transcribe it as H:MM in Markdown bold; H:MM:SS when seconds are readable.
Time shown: **9:37**
